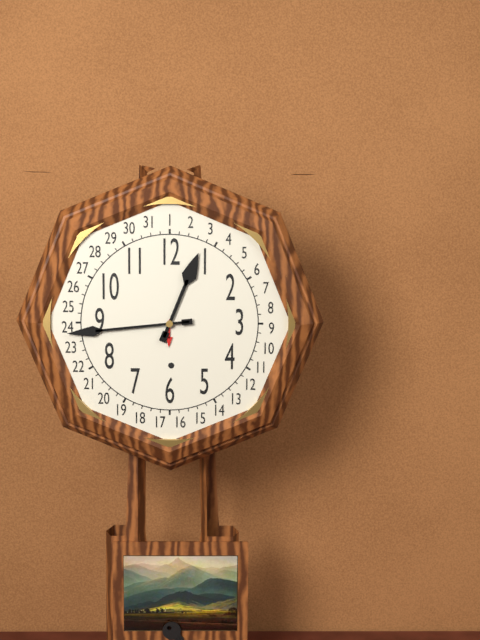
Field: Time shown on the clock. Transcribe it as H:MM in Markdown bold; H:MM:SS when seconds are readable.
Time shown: **12:44**
